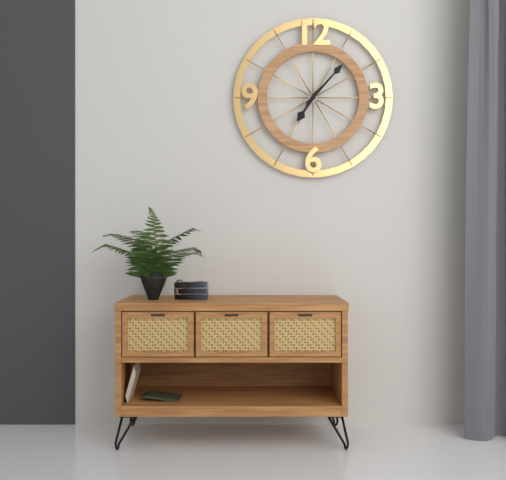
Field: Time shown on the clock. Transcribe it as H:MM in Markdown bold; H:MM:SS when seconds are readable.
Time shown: **7:07**
